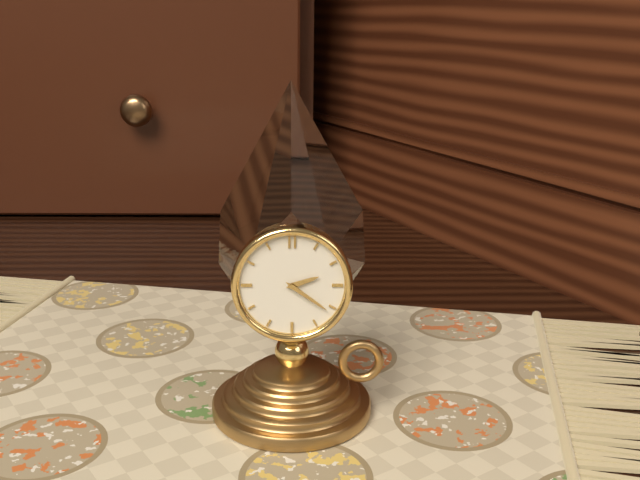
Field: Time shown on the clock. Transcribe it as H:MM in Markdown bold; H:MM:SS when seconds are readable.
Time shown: **2:21**
